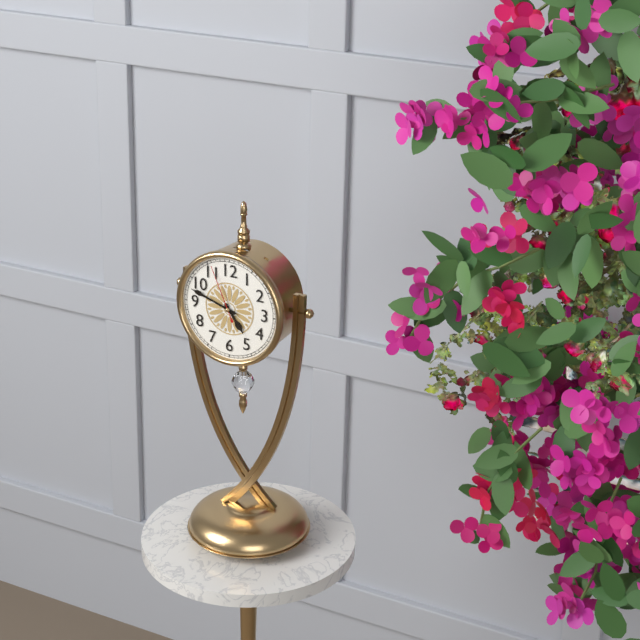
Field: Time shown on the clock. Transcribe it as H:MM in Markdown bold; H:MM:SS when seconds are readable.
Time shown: **4:48:56**
